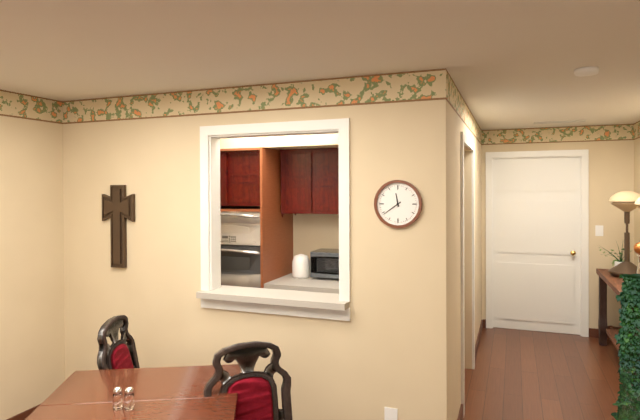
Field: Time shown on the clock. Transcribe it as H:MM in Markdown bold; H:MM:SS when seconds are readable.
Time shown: **11:39**
